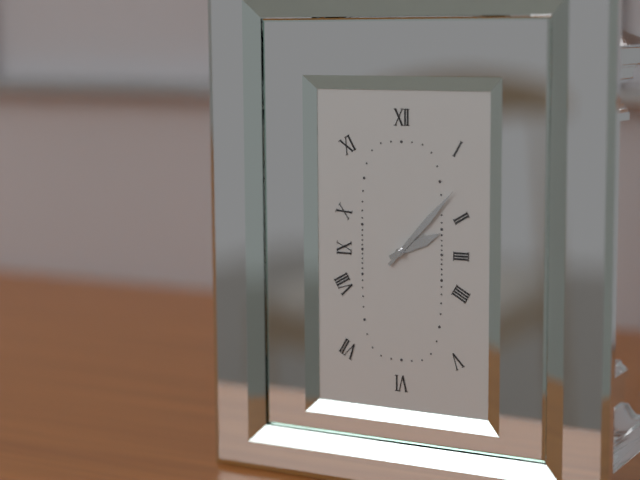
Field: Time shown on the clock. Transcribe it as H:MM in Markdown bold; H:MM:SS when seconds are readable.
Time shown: **2:07**
